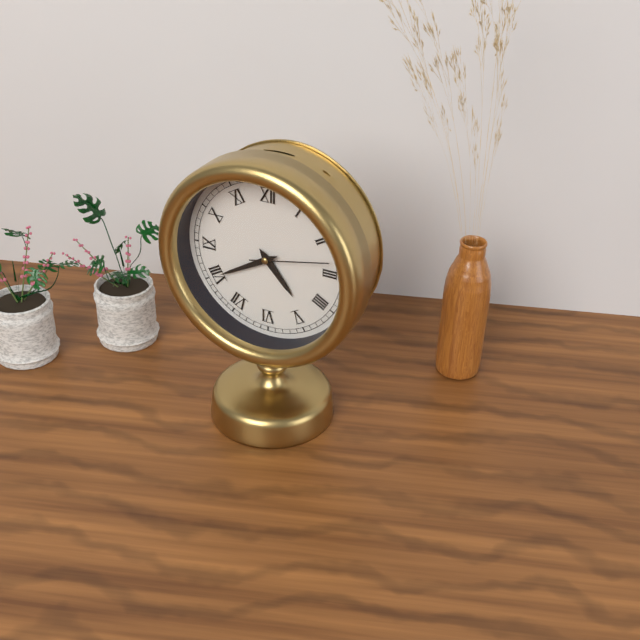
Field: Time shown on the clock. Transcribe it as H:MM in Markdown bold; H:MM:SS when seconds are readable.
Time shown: **4:40:13**
